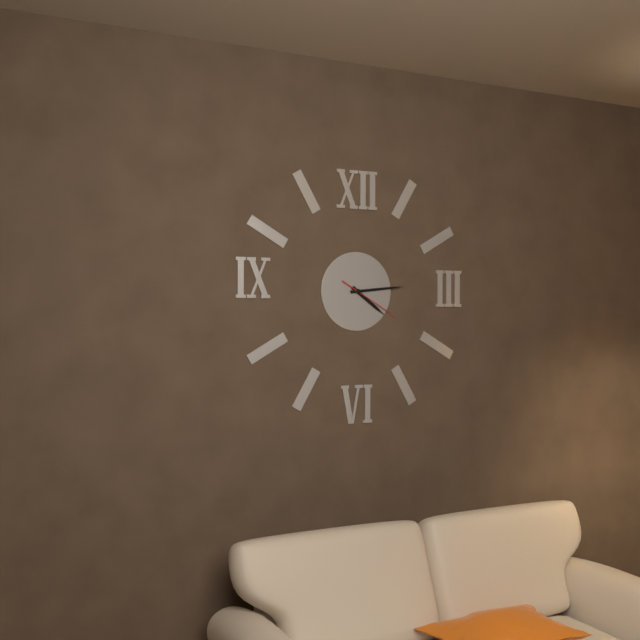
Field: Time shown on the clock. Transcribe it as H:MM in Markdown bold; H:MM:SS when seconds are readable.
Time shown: **4:14:20**
